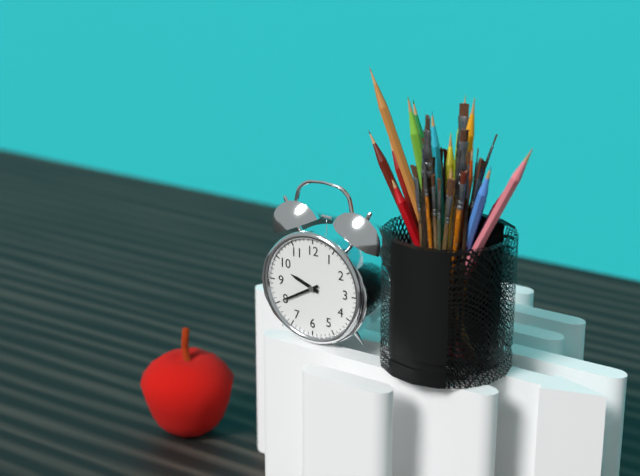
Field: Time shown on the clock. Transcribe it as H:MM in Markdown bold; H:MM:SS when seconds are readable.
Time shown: **9:40**
